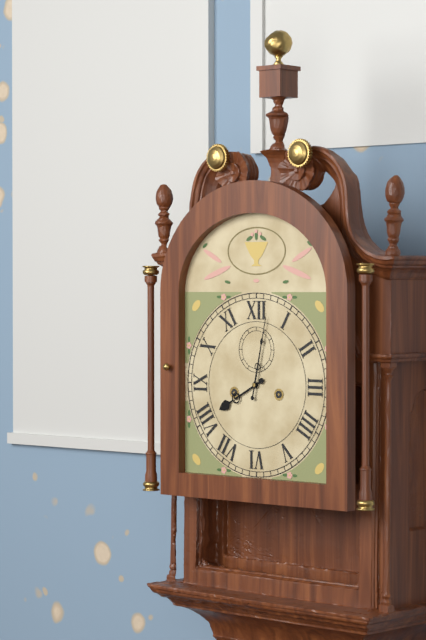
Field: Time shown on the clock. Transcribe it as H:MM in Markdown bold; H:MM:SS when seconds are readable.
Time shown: **8:02**
